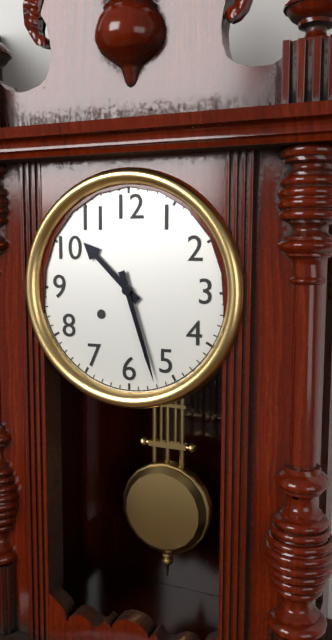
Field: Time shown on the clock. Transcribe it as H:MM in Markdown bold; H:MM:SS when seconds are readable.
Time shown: **10:27**
